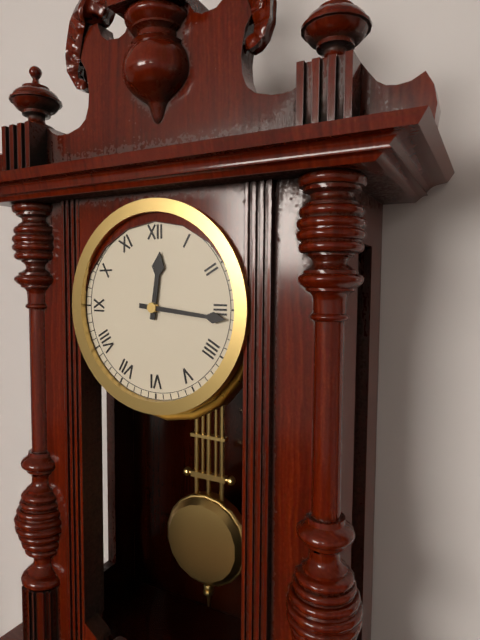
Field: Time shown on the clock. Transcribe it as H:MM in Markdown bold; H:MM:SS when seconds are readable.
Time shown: **12:16**
